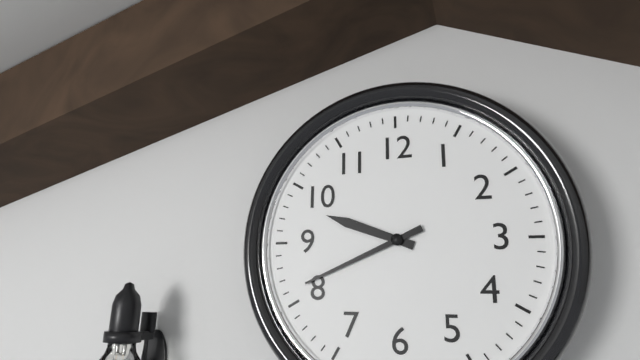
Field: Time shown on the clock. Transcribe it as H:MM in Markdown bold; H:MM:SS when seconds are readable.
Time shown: **9:41**
